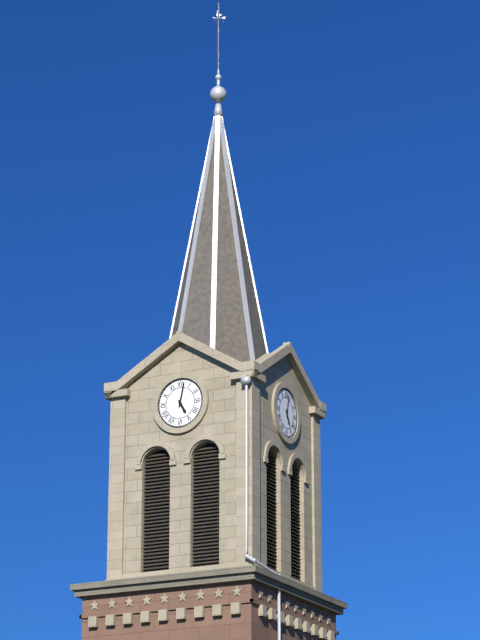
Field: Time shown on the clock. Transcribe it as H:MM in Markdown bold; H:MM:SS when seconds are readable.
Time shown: **5:02**
